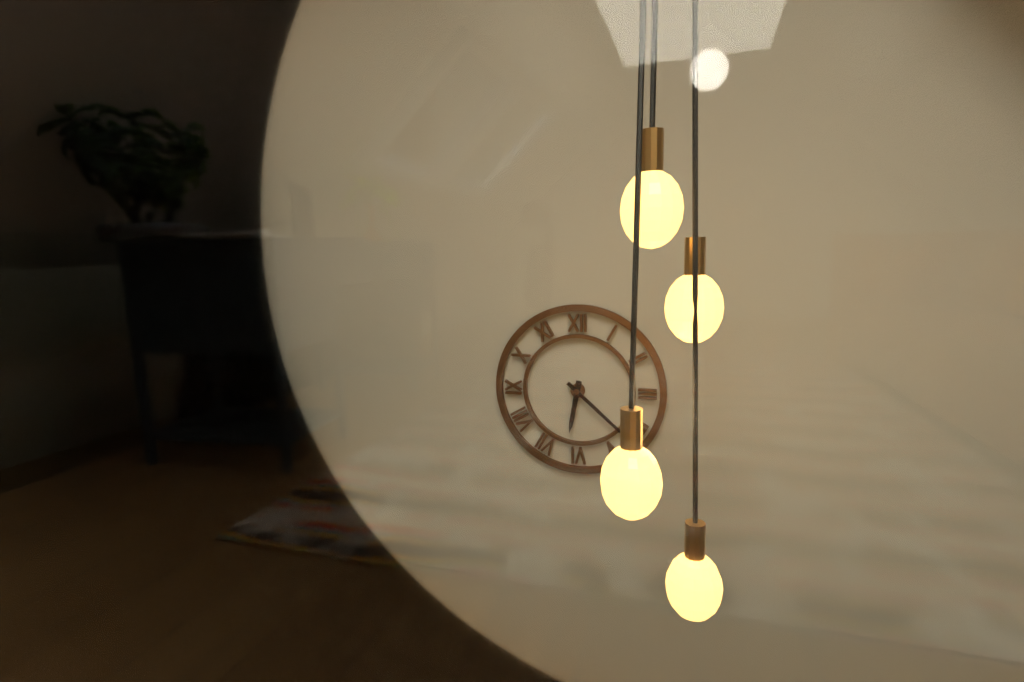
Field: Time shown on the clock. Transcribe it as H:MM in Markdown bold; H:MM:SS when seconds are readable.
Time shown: **6:22**
